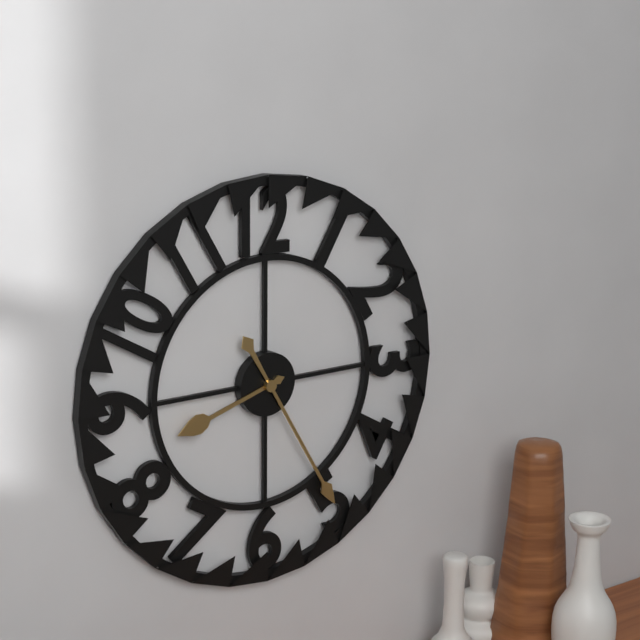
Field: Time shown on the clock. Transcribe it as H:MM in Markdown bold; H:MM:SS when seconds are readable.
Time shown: **8:25**
